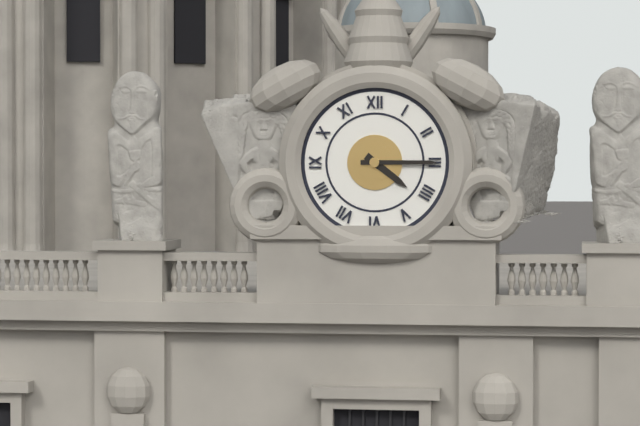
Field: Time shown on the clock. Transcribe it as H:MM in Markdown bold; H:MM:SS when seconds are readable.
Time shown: **4:15**
